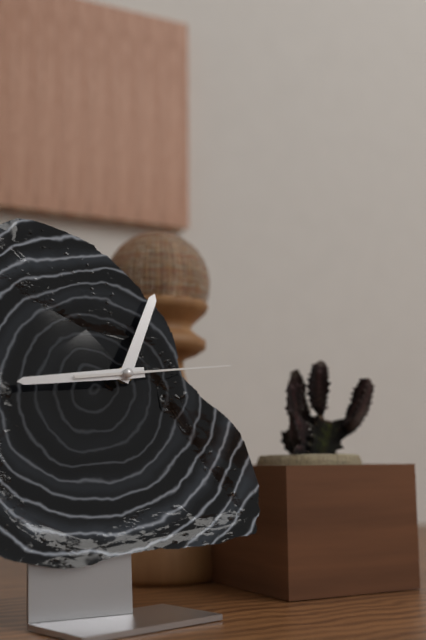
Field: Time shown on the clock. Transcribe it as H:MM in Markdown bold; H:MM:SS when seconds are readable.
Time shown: **12:44:14**
